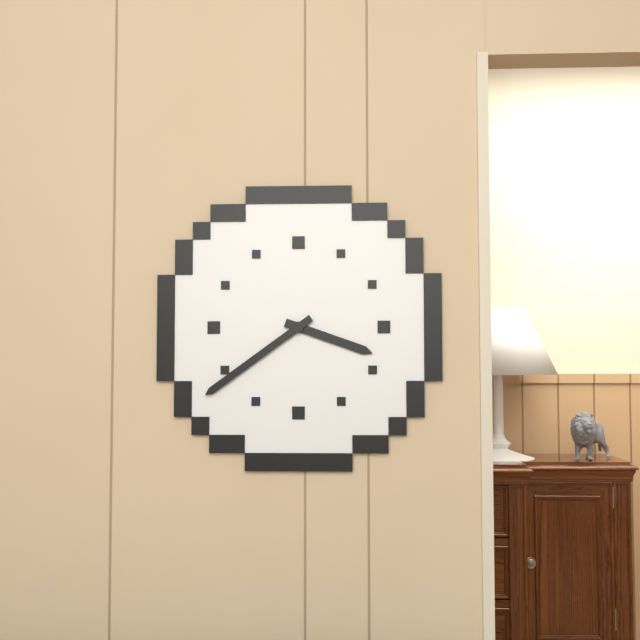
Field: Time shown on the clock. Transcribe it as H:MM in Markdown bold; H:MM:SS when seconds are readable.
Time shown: **3:39**
